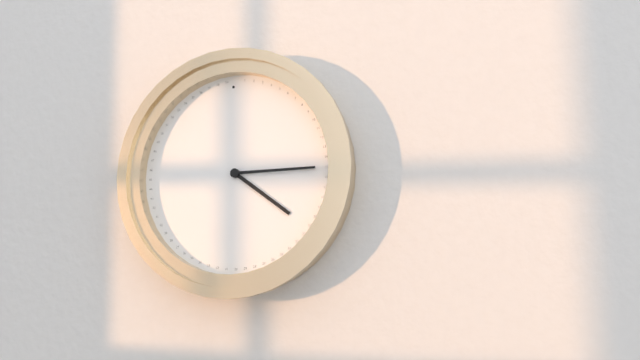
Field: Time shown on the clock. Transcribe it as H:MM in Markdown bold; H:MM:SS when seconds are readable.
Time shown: **4:15**
